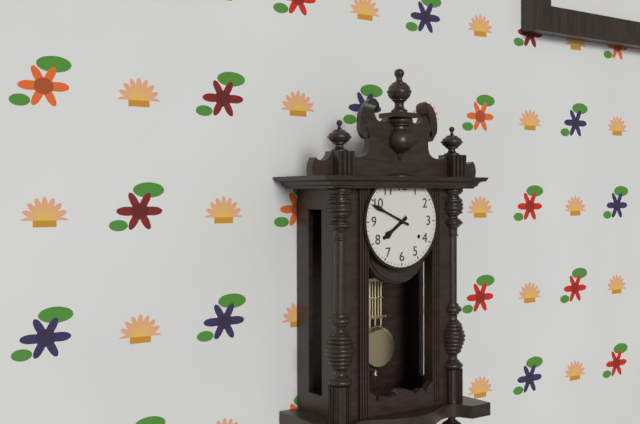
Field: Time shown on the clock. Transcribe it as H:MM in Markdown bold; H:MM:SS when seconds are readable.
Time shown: **7:49**
